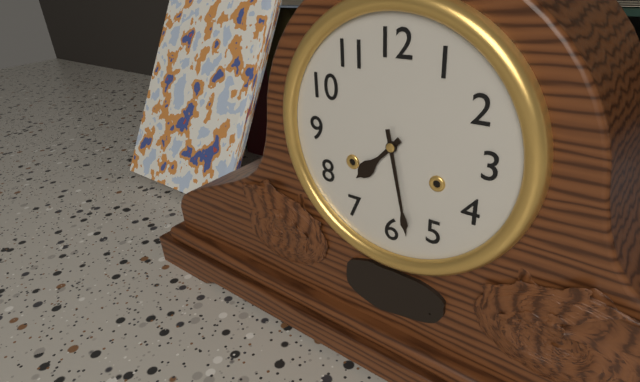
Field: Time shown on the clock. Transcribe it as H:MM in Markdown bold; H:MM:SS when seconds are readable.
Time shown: **7:28**
